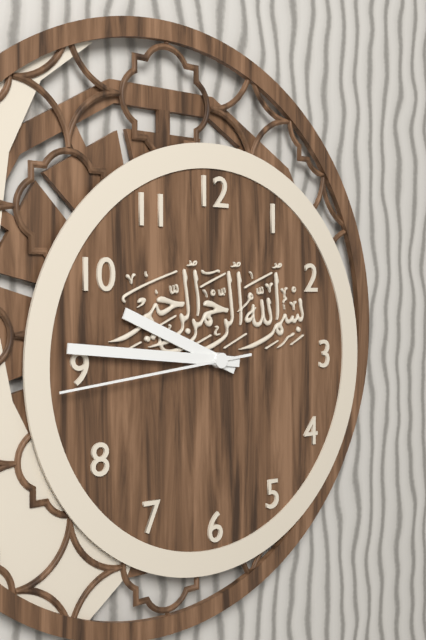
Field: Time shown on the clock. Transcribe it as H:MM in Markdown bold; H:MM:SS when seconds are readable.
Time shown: **9:46:44**
